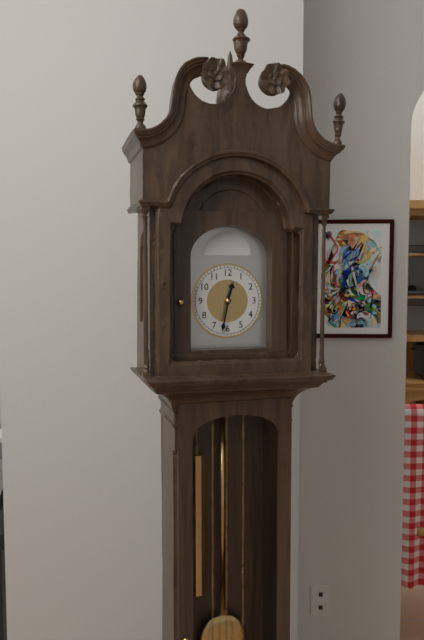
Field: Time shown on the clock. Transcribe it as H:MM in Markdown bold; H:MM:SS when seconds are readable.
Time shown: **12:32**
